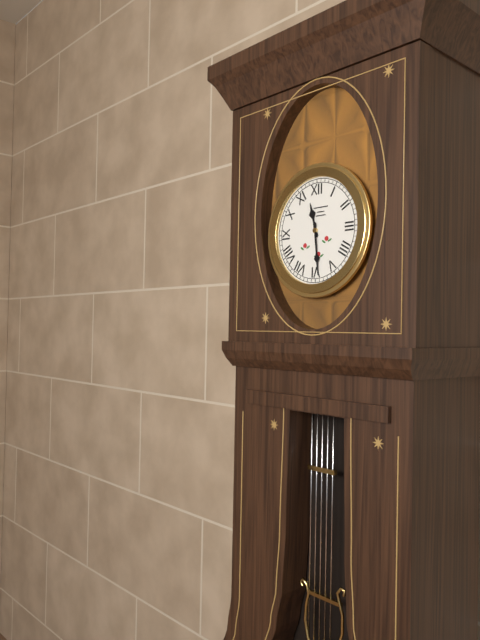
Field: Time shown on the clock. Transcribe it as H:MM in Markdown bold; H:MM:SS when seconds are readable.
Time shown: **11:29**
